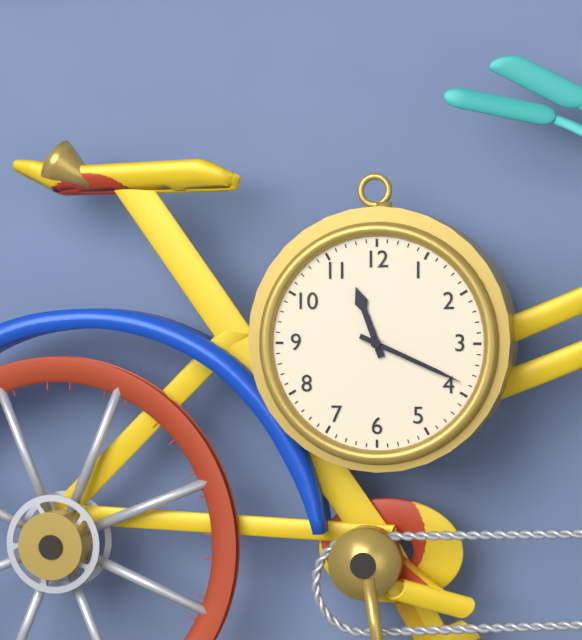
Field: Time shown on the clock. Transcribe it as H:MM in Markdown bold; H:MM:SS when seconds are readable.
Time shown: **11:19**
